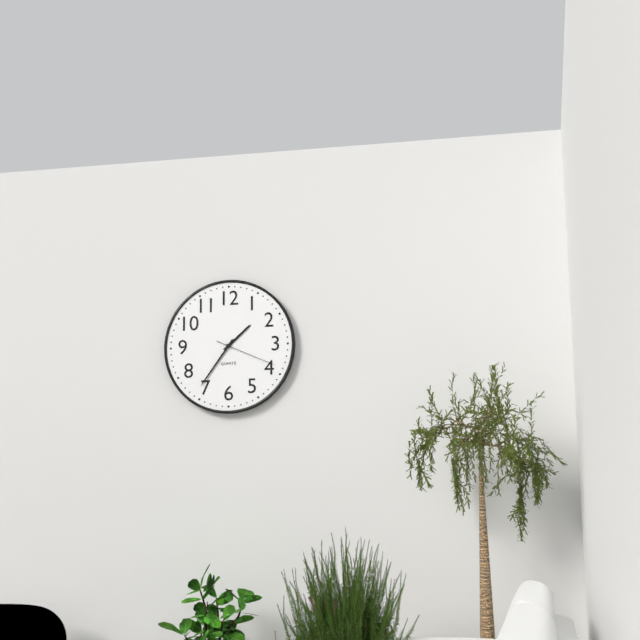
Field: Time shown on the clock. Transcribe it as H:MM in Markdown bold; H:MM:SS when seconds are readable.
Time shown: **1:36:19**
